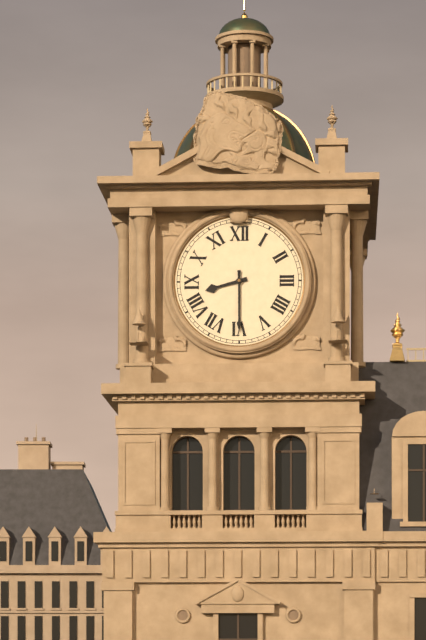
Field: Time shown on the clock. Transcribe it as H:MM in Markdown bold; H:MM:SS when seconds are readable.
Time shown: **8:30**
